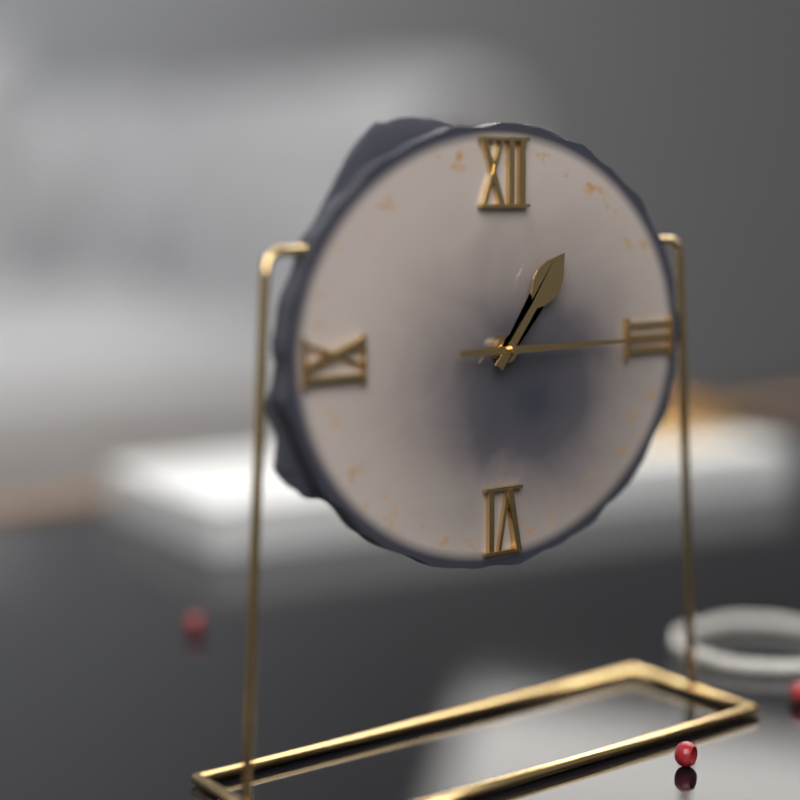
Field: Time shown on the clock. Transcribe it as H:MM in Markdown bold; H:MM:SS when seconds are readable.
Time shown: **1:15**
